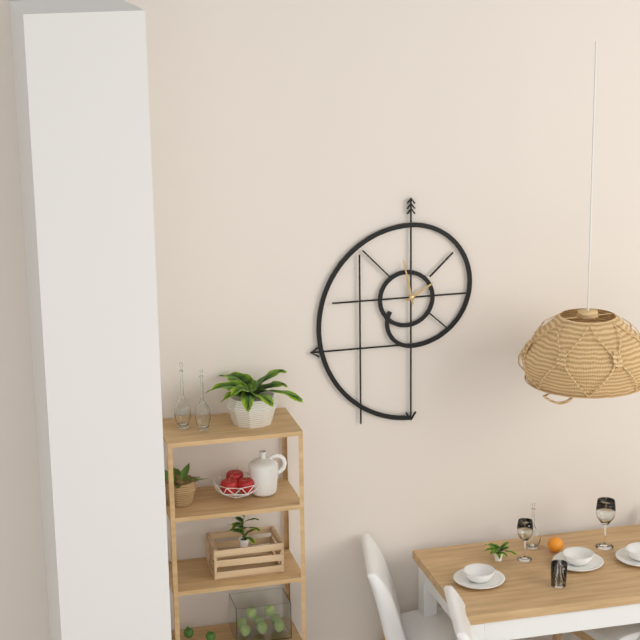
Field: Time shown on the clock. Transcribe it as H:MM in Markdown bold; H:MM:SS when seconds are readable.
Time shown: **1:58**
